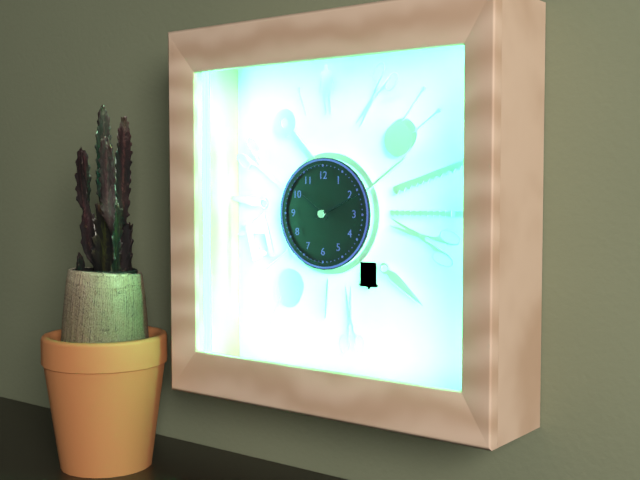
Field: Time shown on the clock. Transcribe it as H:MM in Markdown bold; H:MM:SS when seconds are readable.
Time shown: **10:11**
